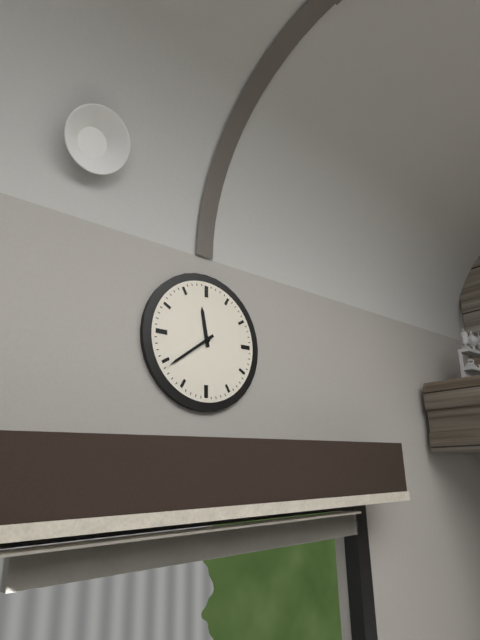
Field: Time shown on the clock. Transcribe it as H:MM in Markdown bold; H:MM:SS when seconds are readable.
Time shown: **11:39**
